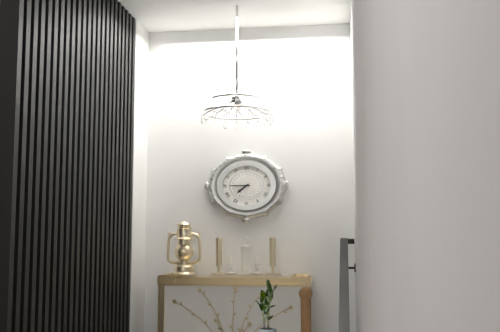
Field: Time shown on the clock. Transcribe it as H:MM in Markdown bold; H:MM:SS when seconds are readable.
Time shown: **7:45**
